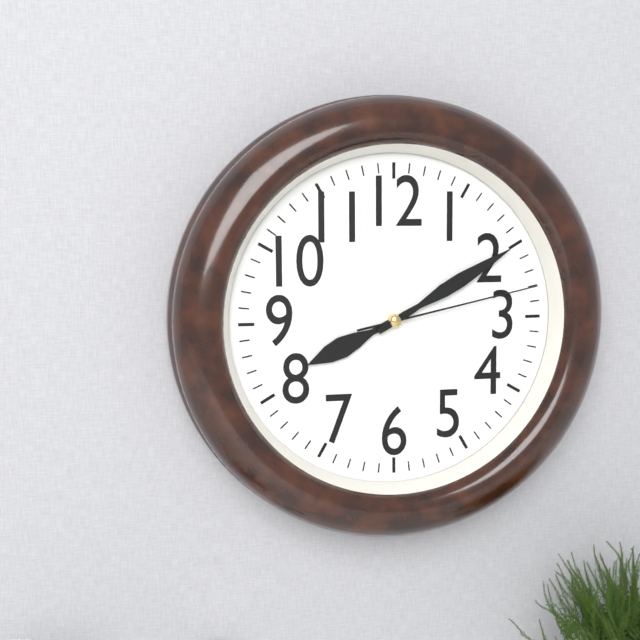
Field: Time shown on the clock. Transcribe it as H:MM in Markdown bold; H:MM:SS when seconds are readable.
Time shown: **8:10:13**
